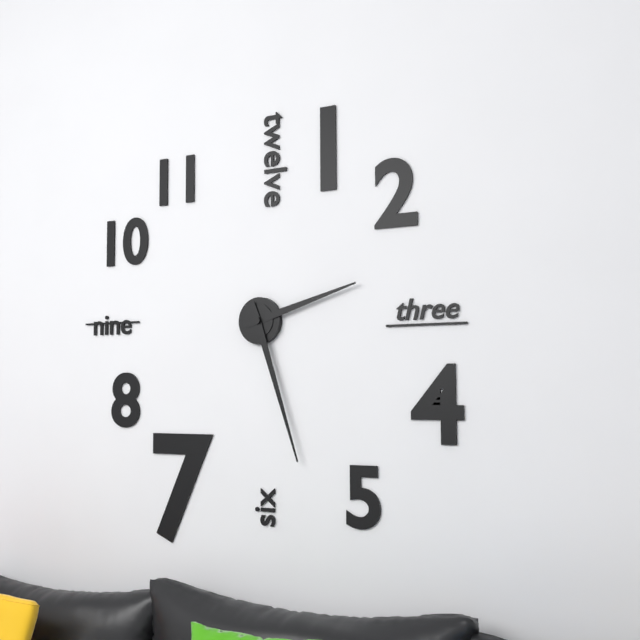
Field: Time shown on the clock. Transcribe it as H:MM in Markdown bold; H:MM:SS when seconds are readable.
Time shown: **2:27**
